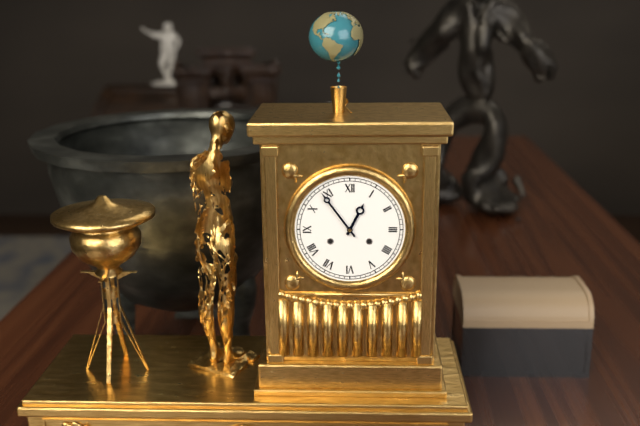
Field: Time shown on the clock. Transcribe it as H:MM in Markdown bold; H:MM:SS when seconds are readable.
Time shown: **12:54**
